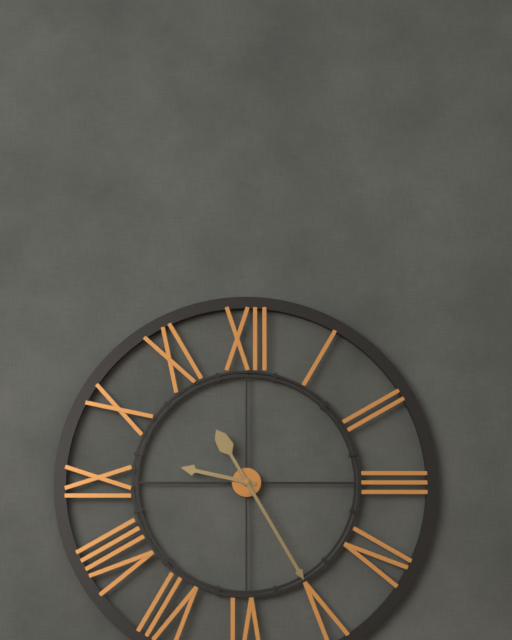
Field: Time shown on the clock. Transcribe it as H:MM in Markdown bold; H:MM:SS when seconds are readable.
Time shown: **9:25**
